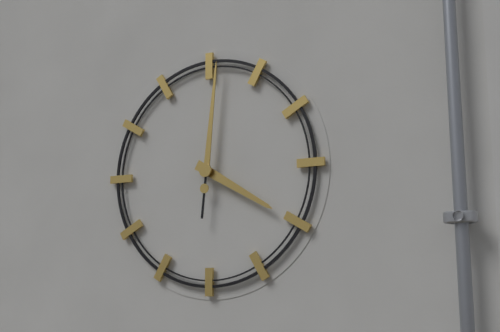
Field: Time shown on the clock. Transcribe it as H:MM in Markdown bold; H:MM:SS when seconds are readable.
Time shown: **4:01**
